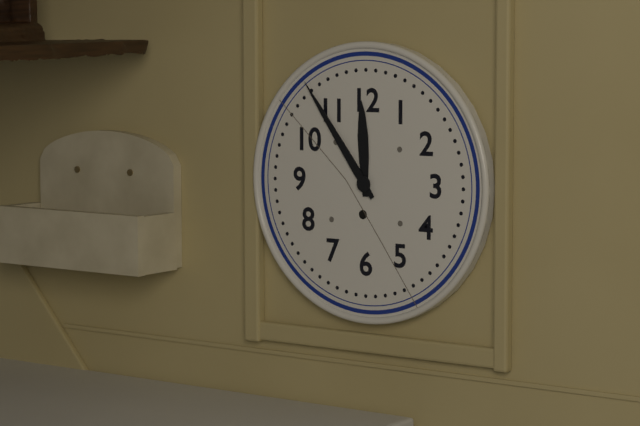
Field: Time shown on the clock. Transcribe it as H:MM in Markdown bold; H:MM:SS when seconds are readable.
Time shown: **11:54**
